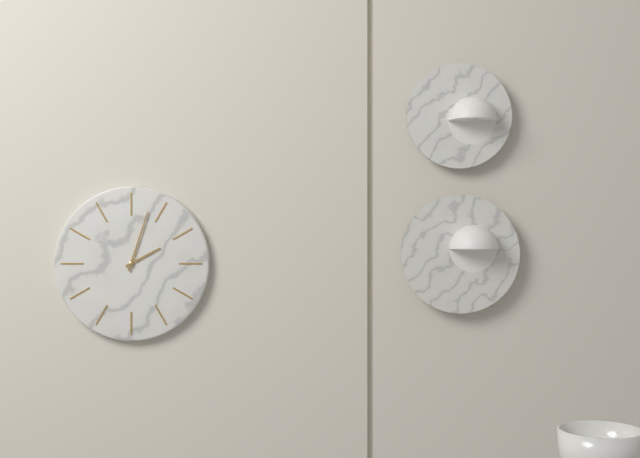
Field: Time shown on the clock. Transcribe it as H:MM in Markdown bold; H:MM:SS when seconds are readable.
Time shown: **2:03**
